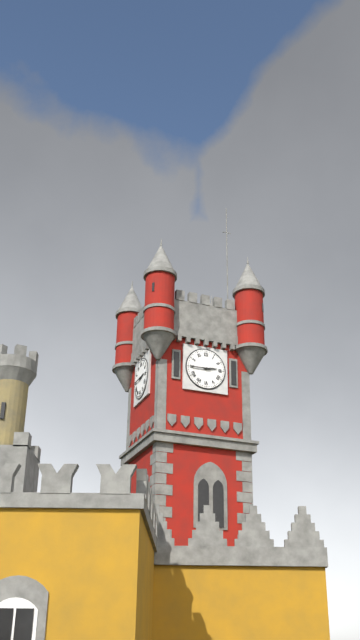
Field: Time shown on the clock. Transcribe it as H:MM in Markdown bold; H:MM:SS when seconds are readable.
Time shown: **2:45**
